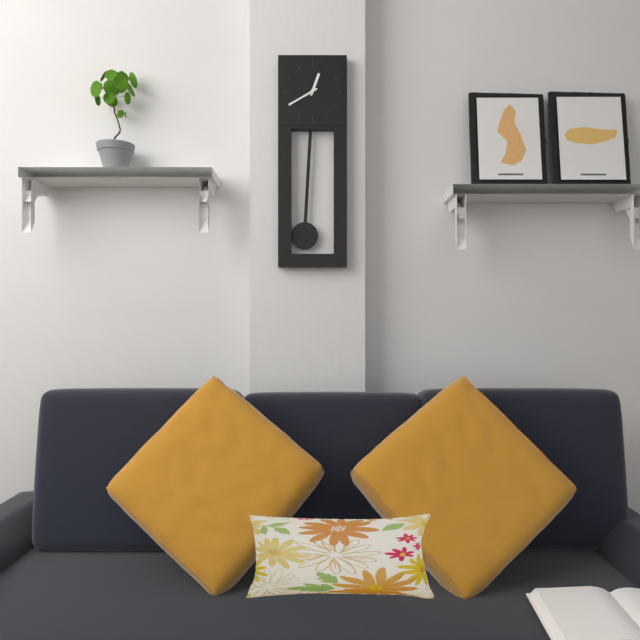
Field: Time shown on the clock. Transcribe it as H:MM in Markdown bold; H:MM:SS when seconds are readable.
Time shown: **12:40**
